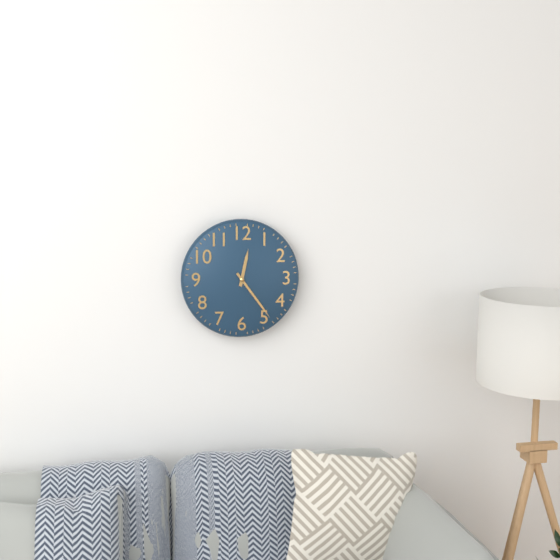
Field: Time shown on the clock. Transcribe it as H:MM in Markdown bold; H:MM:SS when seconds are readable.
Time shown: **12:24**
